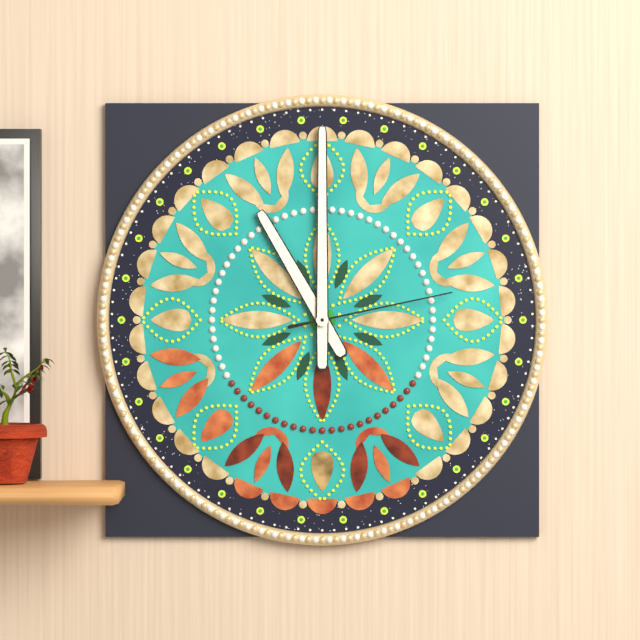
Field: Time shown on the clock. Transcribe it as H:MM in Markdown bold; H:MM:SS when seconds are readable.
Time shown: **11:00:13**
